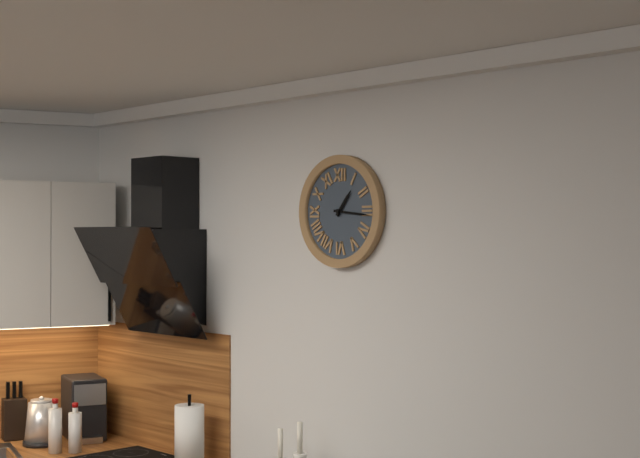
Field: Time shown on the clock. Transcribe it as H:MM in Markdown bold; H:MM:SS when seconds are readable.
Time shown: **1:16**
